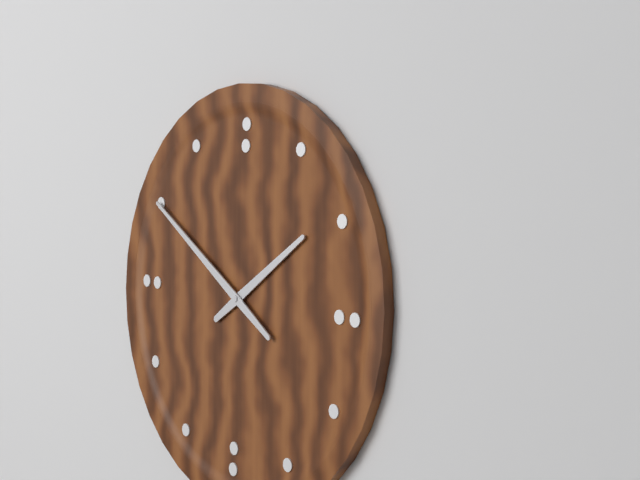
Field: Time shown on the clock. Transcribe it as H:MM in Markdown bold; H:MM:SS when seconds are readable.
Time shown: **1:50**
